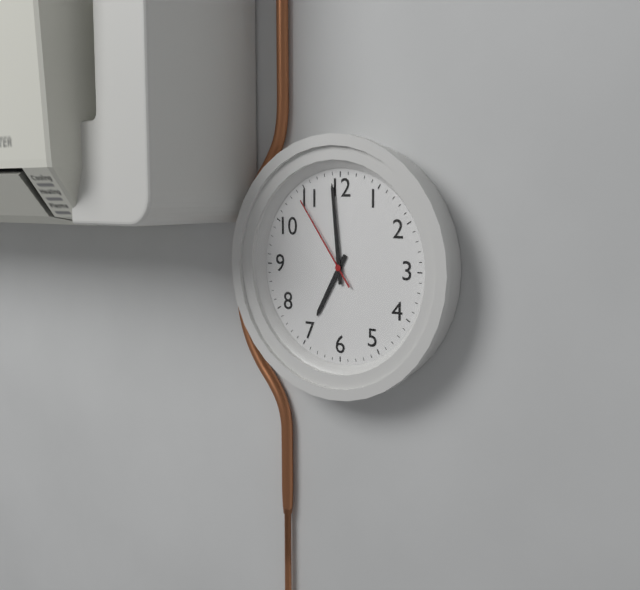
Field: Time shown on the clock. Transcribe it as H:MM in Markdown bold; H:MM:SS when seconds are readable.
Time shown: **6:59:54**
